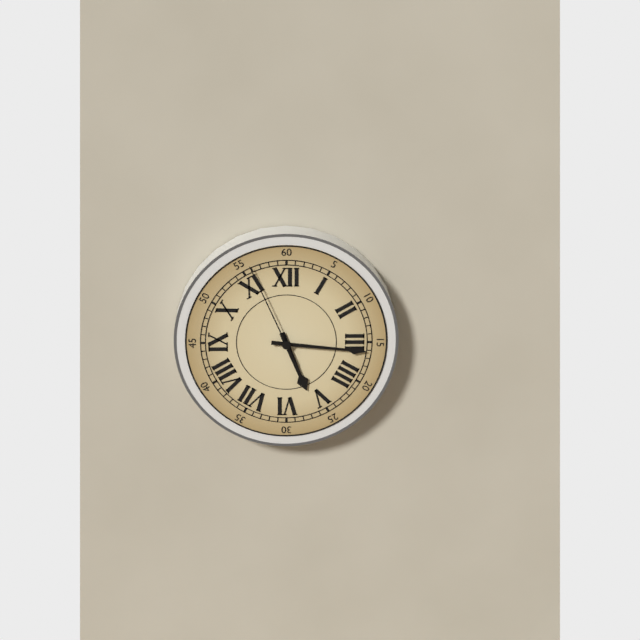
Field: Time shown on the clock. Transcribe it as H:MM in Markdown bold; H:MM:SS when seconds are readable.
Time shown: **5:16:56**
